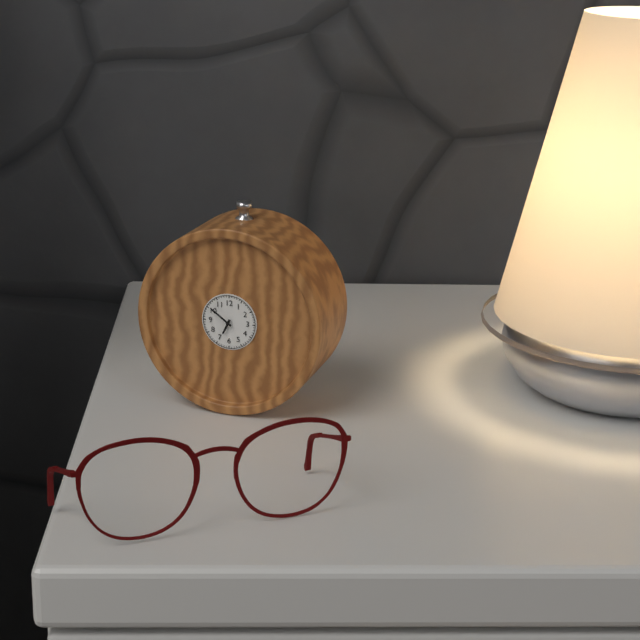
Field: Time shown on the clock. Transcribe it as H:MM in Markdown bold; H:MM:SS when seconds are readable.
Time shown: **6:51**
